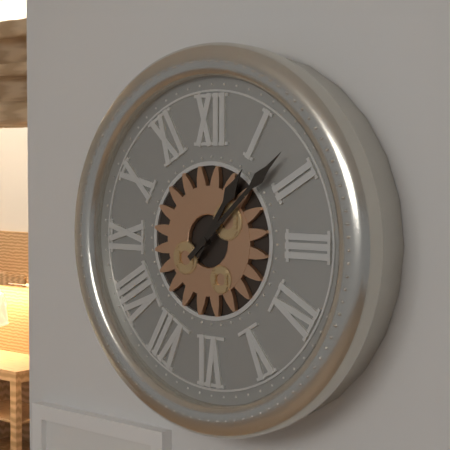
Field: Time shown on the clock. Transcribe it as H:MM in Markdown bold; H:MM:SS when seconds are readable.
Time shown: **1:08**
